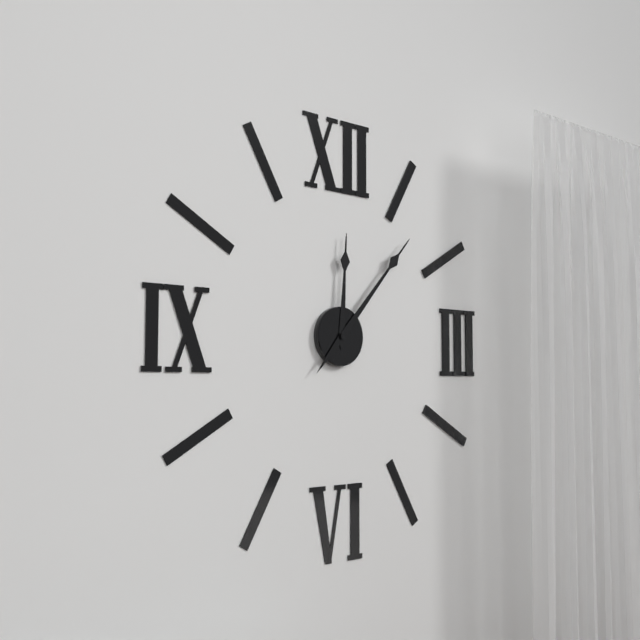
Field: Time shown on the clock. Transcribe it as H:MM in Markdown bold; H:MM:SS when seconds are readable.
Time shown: **12:07**
